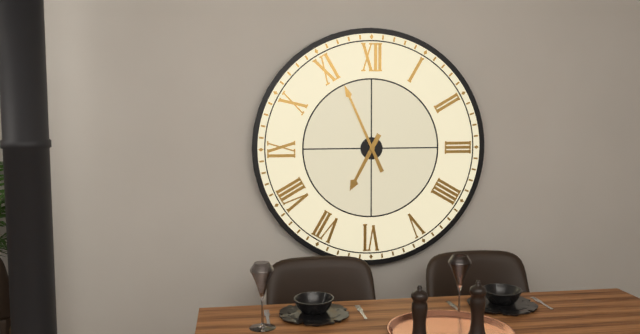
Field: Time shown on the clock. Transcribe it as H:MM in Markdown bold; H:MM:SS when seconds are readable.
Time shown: **6:56**
